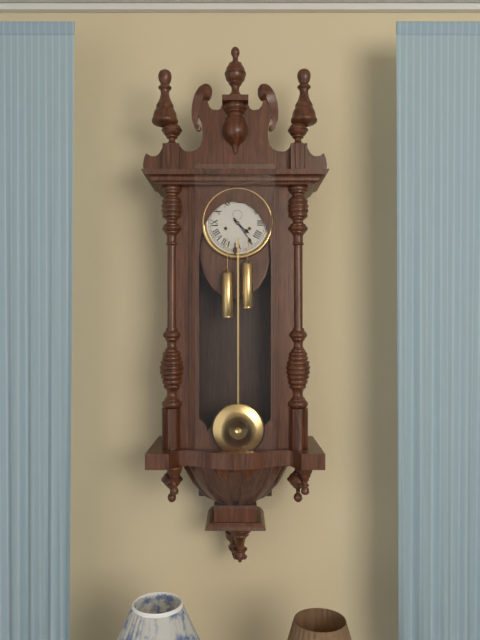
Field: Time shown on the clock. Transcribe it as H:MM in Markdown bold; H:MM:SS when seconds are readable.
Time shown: **4:24**
